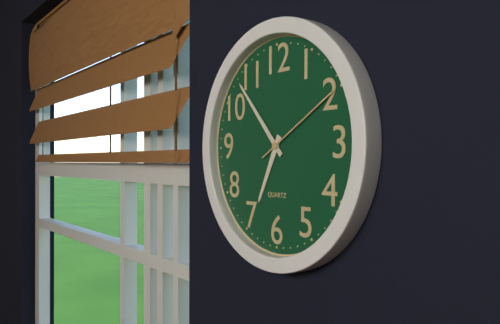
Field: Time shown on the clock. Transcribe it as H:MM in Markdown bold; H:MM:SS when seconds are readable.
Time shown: **6:53:10**
